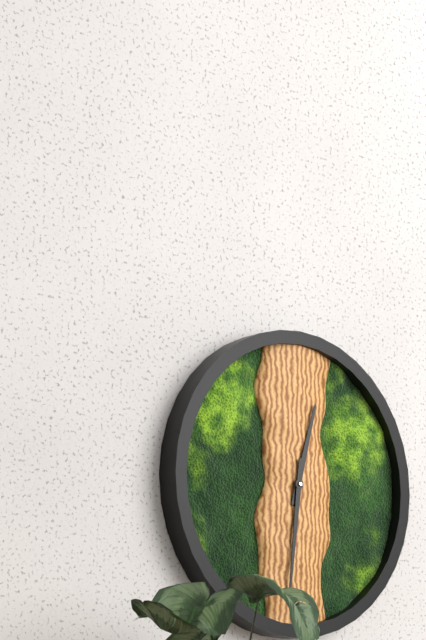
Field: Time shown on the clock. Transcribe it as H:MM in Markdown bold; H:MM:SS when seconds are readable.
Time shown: **12:31**
